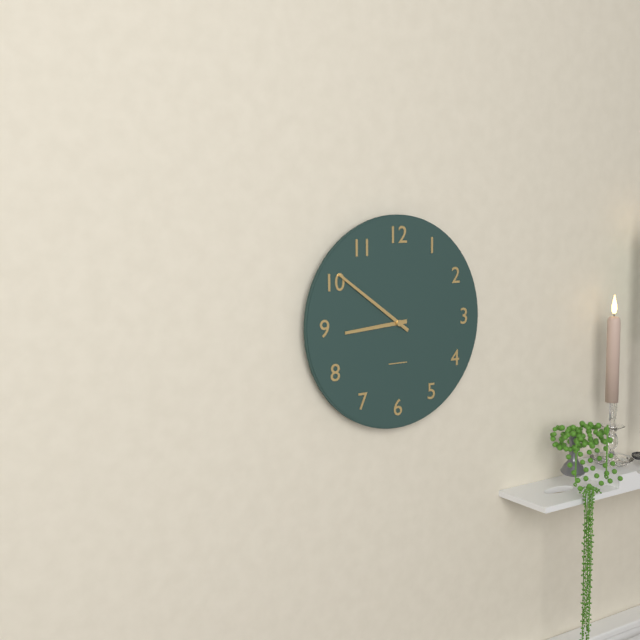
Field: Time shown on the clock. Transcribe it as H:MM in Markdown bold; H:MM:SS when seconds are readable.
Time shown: **8:51**
